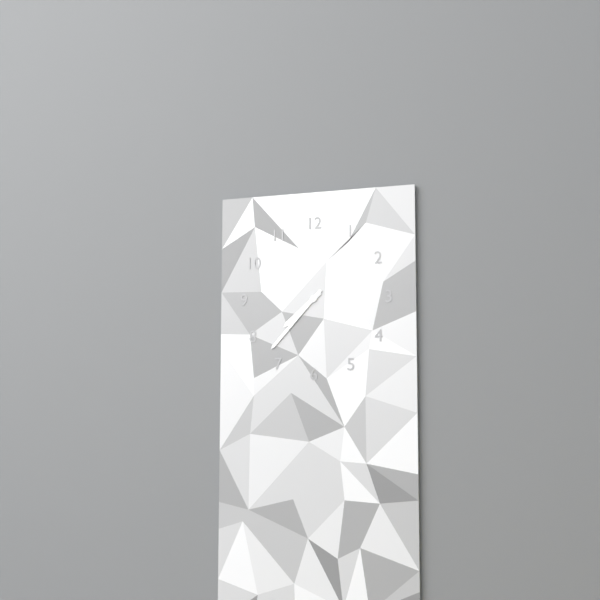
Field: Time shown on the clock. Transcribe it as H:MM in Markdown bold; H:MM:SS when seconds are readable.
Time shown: **7:37**
